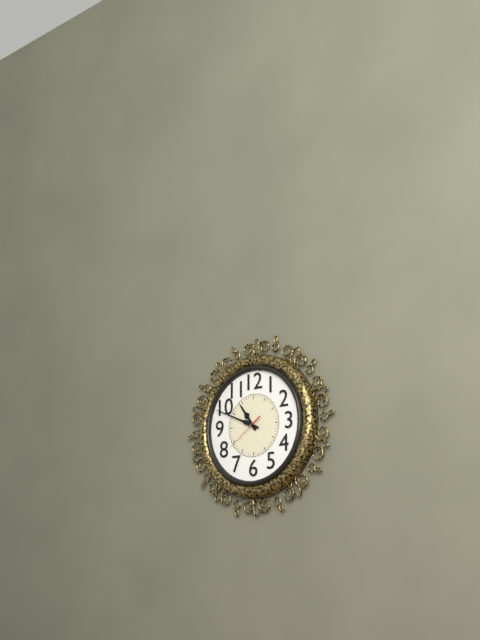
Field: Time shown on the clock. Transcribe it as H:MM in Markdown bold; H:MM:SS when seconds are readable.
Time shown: **10:49**
